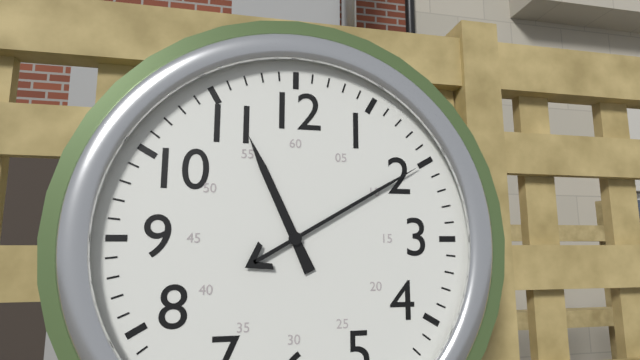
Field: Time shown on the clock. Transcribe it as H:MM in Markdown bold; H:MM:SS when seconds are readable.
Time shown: **11:10**
